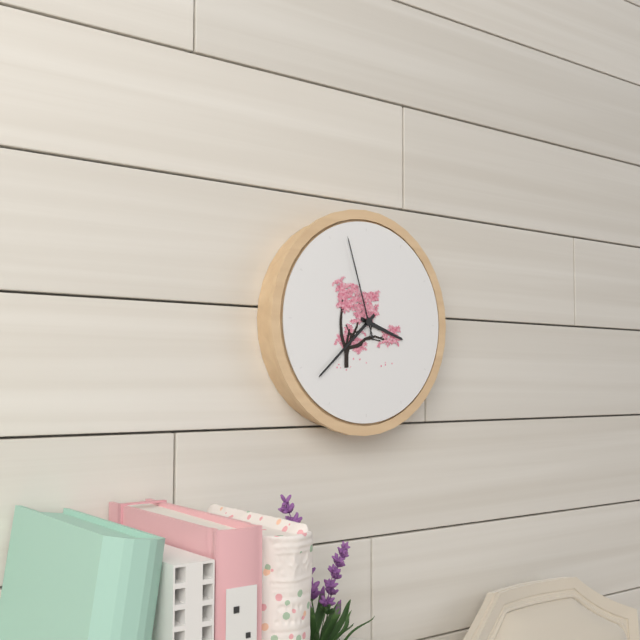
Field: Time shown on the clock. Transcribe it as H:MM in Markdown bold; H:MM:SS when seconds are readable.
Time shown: **3:38:57**
